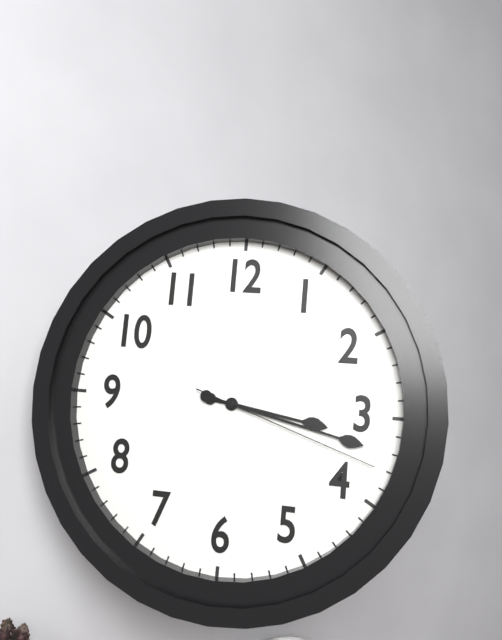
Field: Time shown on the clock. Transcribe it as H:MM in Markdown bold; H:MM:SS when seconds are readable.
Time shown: **3:17:18**
